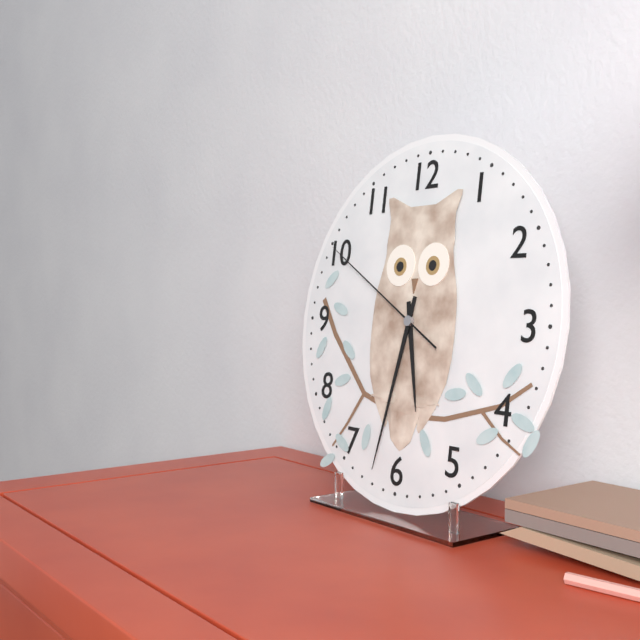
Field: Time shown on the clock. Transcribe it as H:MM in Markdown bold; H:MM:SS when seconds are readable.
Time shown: **5:32:50**
